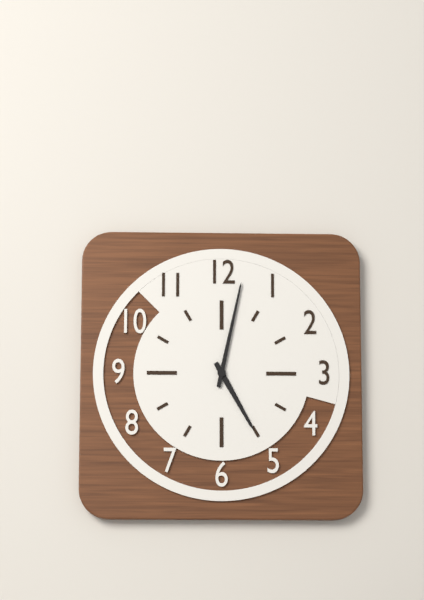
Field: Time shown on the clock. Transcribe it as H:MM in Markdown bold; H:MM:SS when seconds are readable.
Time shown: **5:02**
